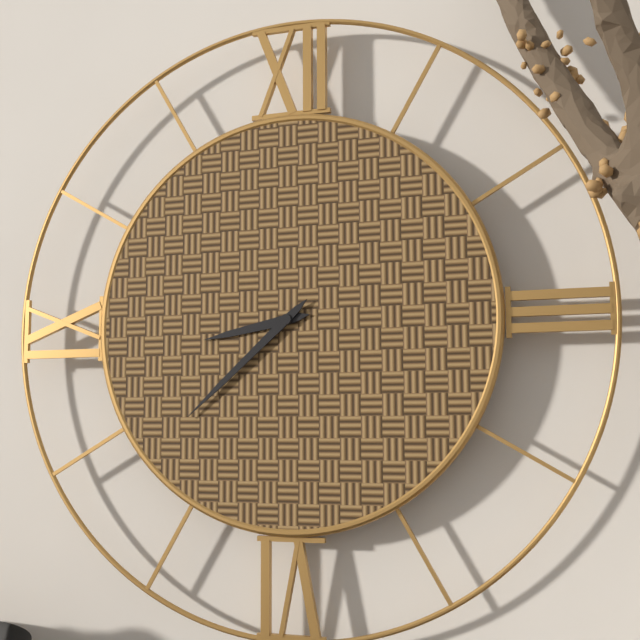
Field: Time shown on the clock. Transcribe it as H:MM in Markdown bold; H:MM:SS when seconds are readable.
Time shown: **8:38**
